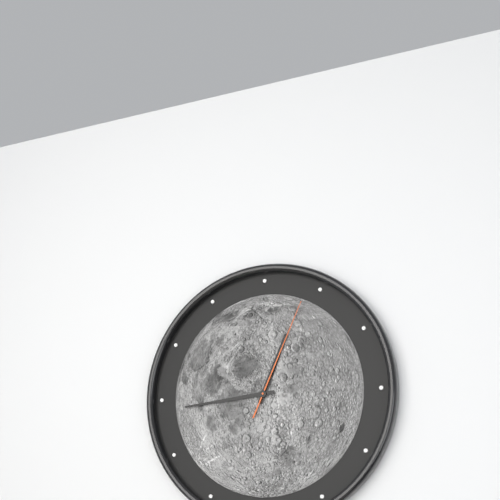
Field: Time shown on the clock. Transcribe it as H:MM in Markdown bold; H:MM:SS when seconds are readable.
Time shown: **12:44:04**
